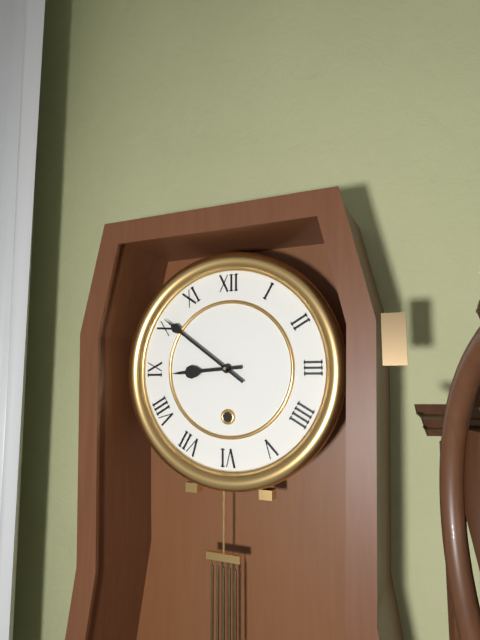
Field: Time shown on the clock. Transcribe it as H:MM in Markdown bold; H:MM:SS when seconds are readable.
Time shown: **8:51**
